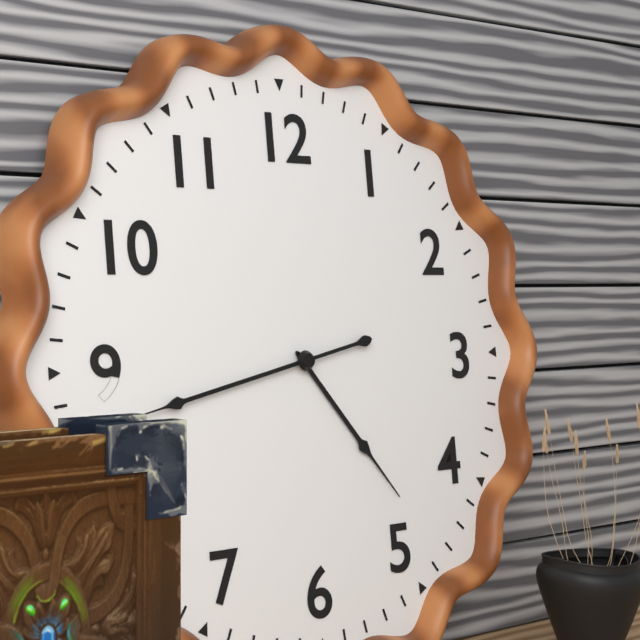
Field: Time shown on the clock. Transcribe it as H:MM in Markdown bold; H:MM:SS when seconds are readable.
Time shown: **4:43**
